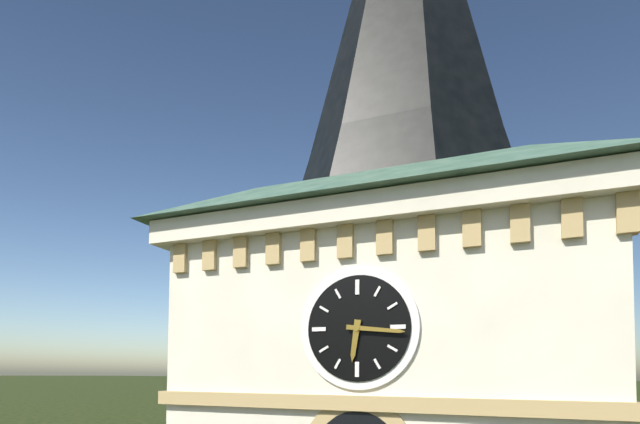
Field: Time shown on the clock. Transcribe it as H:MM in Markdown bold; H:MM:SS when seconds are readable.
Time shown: **6:16**
